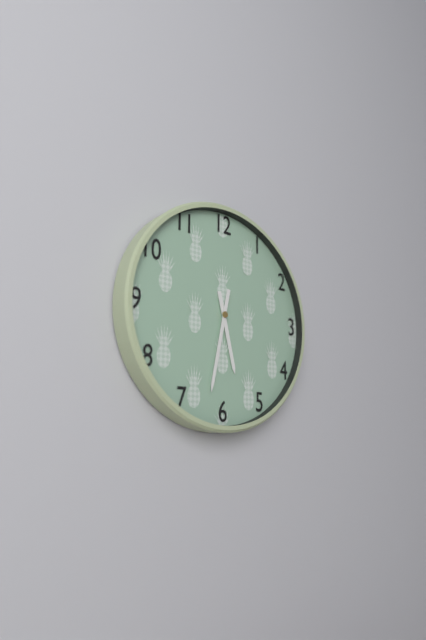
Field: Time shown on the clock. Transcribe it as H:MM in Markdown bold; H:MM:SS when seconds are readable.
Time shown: **5:32**
